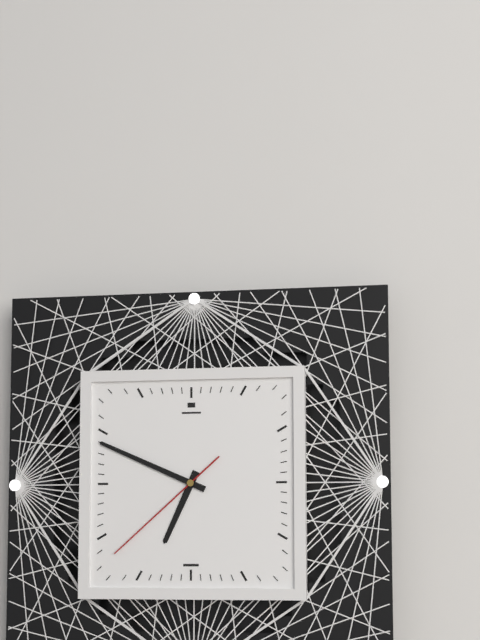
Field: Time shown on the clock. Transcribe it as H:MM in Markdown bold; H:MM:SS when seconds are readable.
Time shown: **6:49:38**
